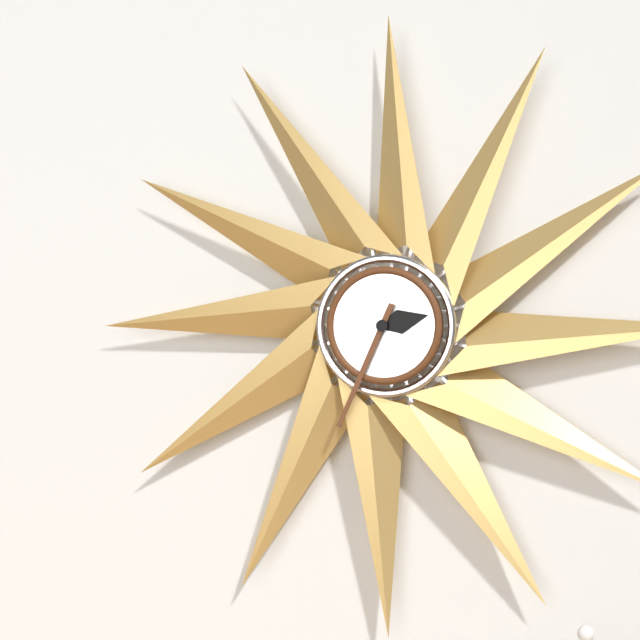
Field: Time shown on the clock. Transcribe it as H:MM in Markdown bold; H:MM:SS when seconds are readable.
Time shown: **2:34**
